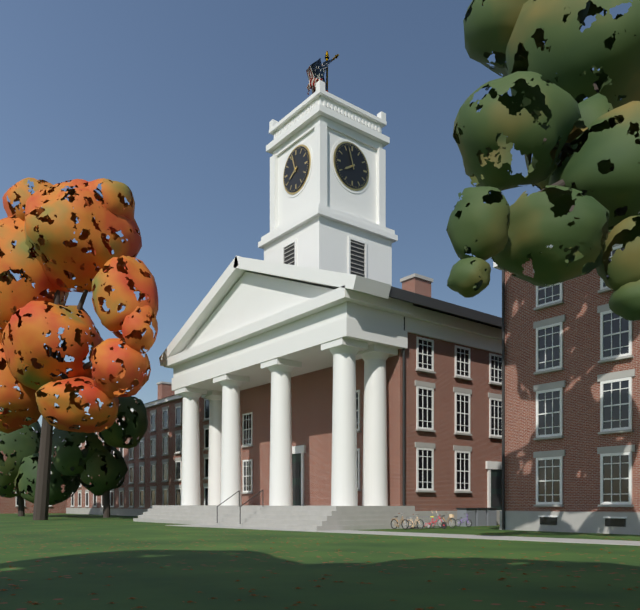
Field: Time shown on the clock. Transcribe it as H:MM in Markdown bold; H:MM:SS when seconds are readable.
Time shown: **7:57**
